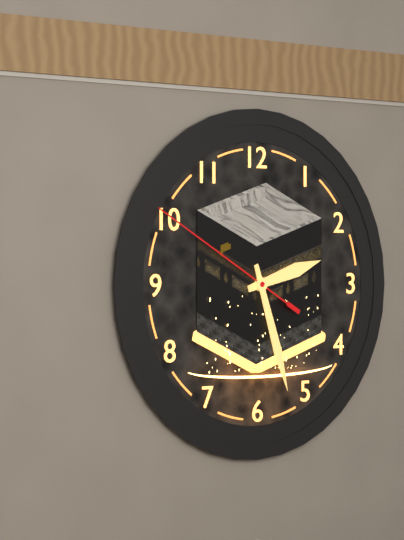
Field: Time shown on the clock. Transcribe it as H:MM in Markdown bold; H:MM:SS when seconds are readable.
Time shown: **2:27:50**
